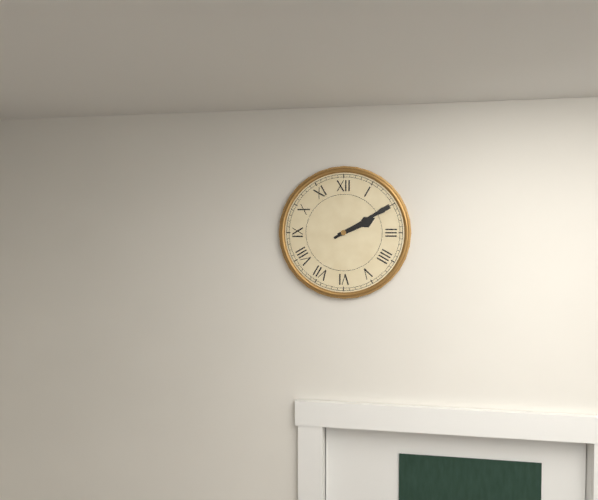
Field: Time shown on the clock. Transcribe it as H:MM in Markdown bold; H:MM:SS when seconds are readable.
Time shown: **2:10**
